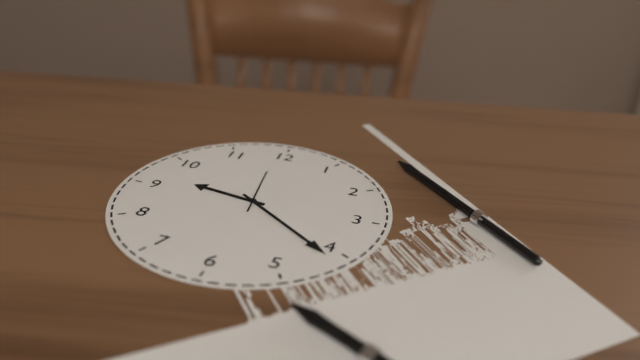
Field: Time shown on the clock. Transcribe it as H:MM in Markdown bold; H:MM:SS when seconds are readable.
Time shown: **9:21**
